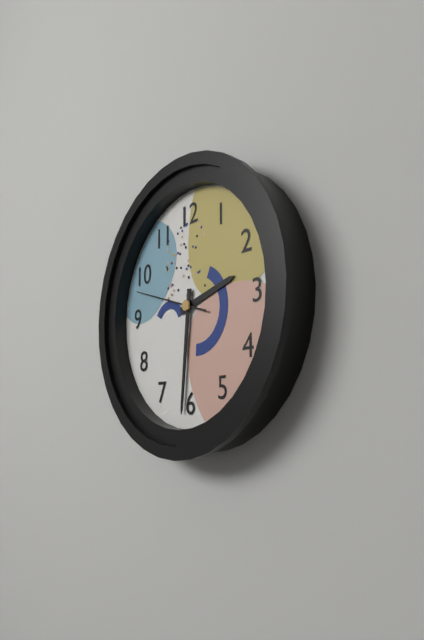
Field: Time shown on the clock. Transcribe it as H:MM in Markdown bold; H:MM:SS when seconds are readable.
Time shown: **2:31:48**
